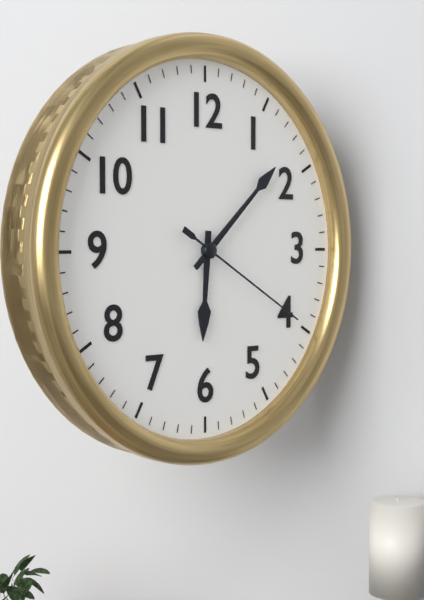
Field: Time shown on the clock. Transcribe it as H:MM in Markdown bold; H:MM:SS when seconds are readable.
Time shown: **6:08:20**
